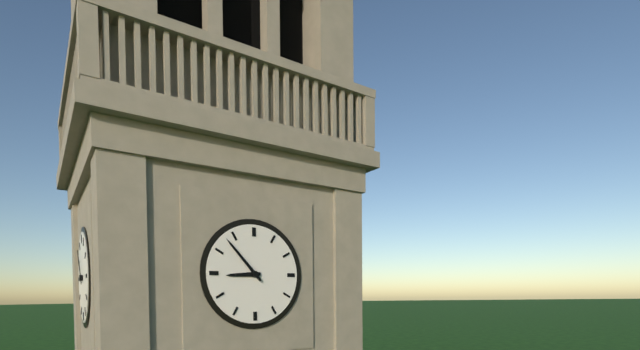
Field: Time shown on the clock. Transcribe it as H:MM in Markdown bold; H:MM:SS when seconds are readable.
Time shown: **8:53**
